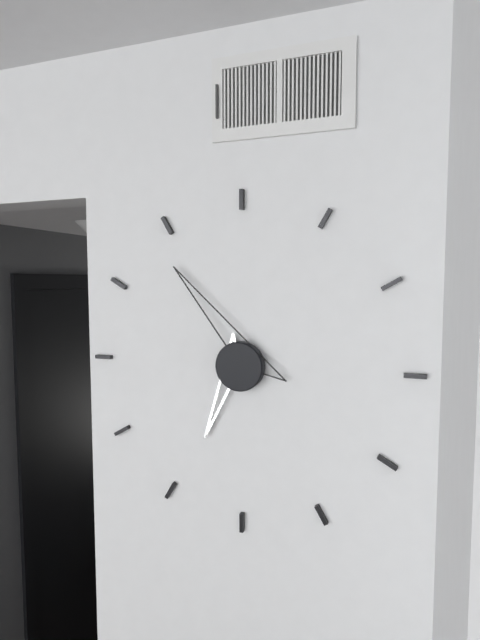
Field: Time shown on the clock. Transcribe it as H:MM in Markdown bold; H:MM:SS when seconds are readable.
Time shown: **6:54**
